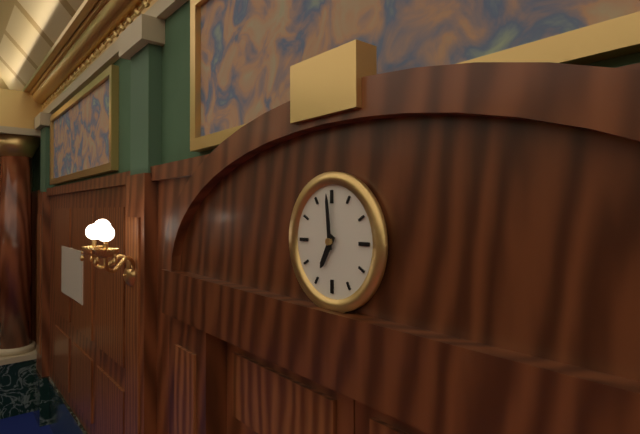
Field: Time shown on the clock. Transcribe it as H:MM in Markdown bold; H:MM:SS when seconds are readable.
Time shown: **6:59**
